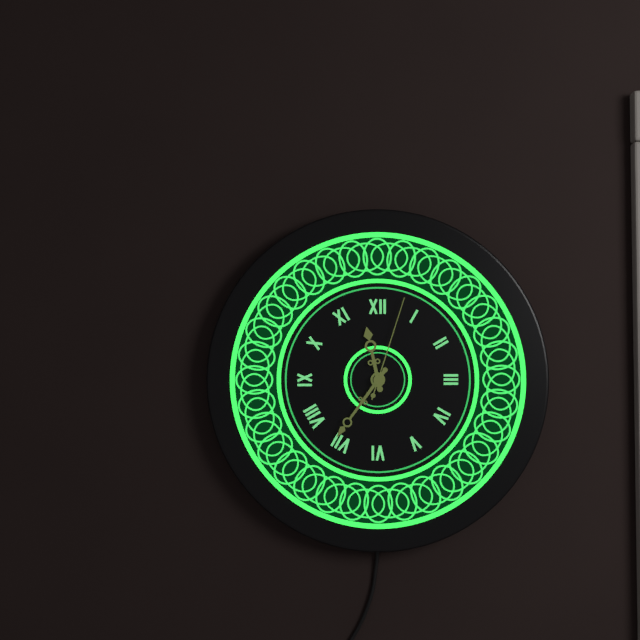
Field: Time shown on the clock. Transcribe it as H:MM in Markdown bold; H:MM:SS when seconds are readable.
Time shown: **11:36:03**
